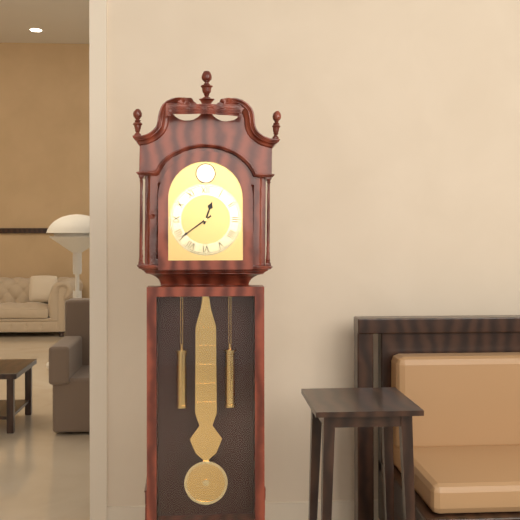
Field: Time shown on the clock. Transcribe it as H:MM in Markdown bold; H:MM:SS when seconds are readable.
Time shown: **12:39**
